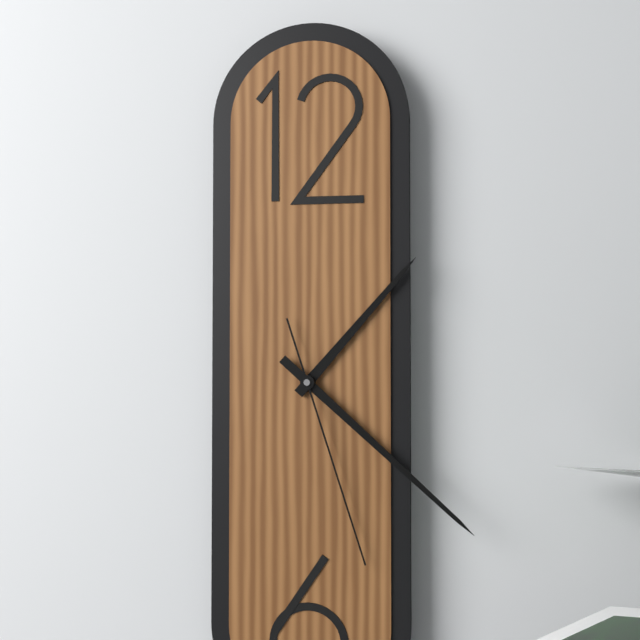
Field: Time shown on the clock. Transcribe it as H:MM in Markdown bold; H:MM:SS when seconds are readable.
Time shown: **1:22:27**
